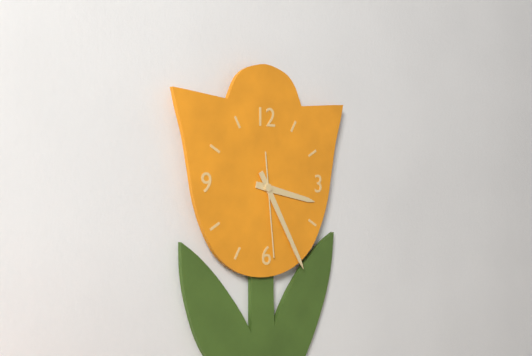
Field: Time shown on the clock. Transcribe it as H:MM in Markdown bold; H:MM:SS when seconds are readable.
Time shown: **3:25:29**
